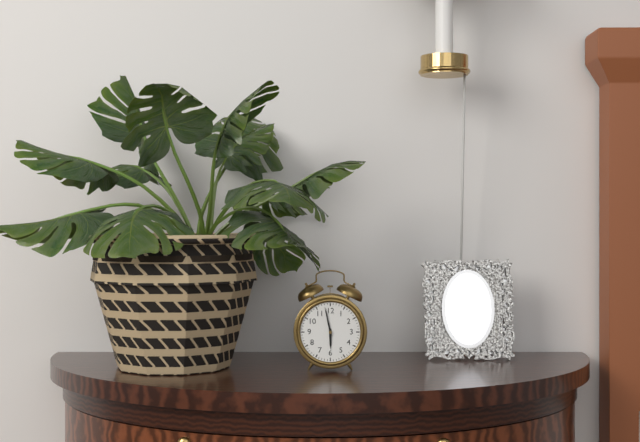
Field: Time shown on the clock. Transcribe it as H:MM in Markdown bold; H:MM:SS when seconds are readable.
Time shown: **5:58**
